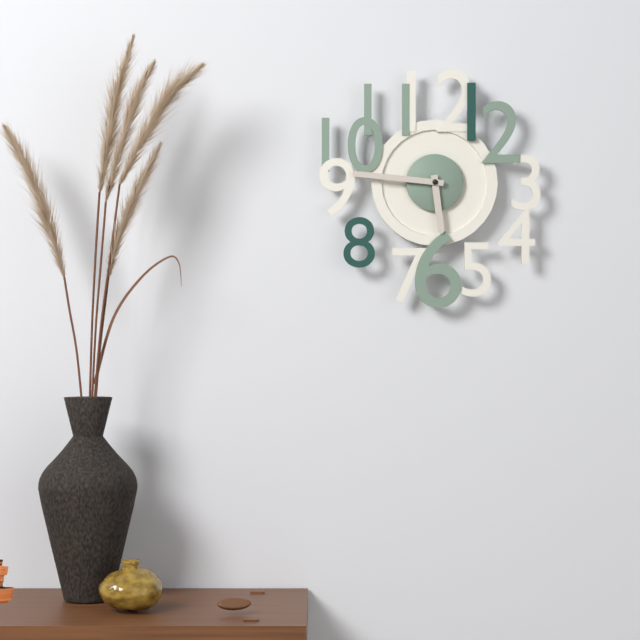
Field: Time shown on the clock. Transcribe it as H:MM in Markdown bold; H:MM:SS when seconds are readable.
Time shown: **5:46**
